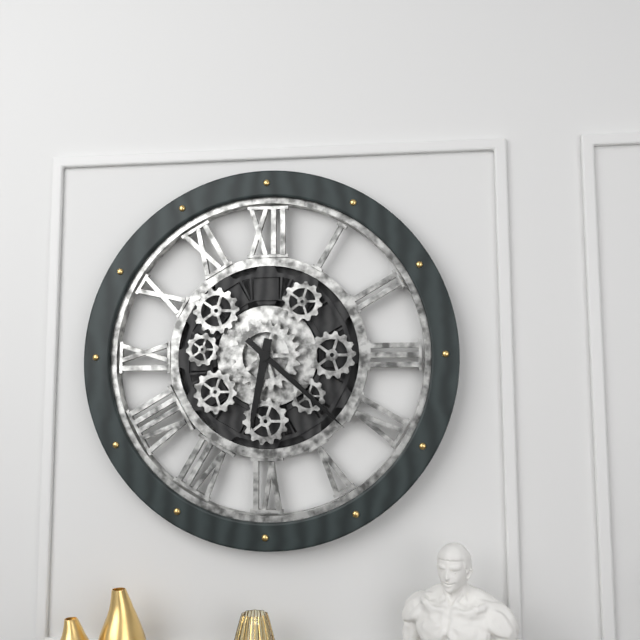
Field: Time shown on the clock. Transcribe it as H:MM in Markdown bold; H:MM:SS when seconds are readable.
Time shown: **6:22**
